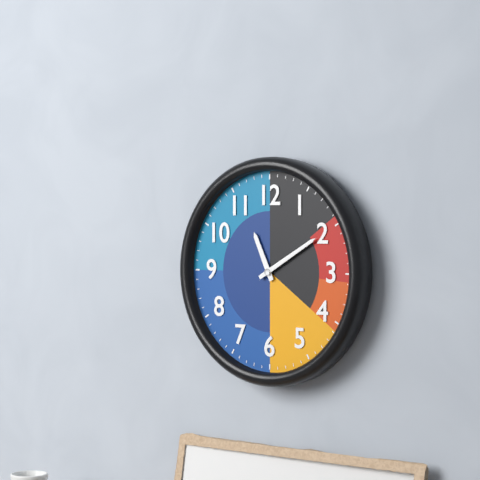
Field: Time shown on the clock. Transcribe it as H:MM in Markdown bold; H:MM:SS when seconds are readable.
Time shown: **11:10**
